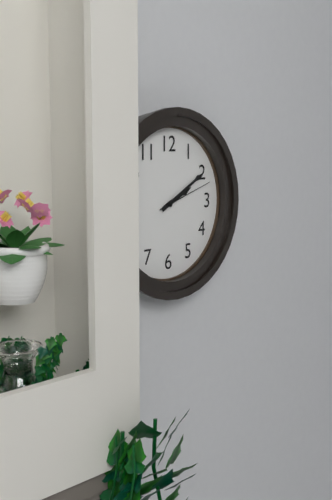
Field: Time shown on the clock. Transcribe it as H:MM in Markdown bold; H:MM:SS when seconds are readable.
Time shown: **2:10:12**
